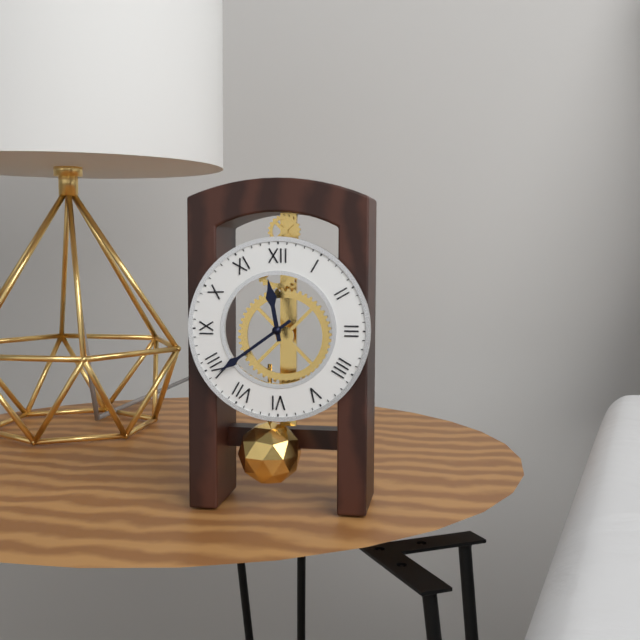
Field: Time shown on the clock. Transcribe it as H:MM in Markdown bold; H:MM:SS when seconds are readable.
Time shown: **11:39**
